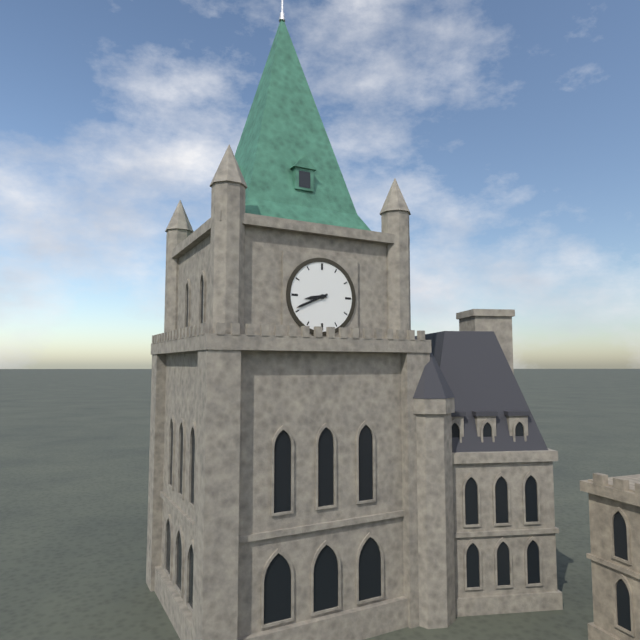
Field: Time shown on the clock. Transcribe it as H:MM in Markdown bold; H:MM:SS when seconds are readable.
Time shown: **8:41**
